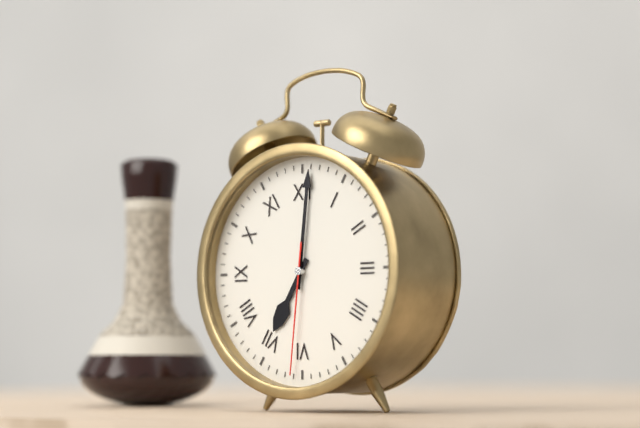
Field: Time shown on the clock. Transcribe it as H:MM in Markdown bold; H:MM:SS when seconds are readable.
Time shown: **7:01:31**
